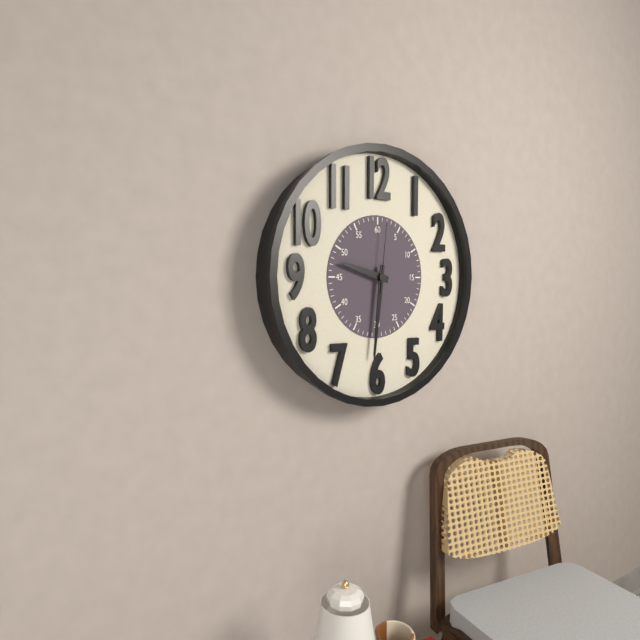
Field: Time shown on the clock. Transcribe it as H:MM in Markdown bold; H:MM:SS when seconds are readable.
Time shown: **9:31:01**
